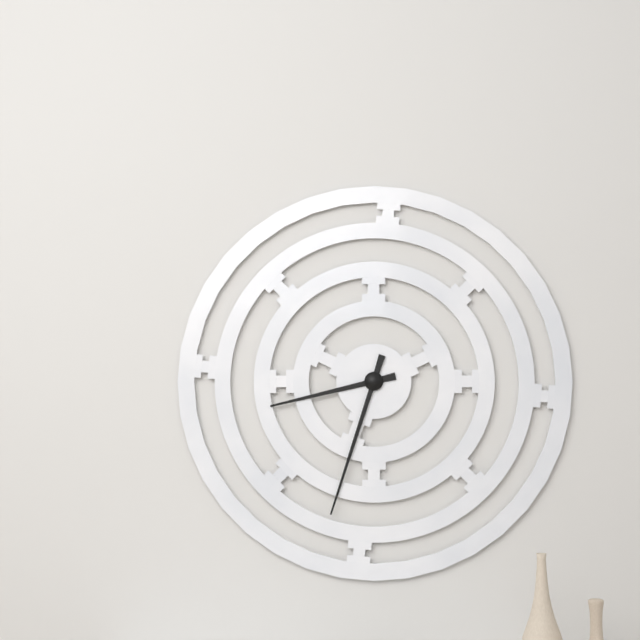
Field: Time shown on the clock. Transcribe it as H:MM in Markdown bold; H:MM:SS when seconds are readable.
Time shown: **8:33**
